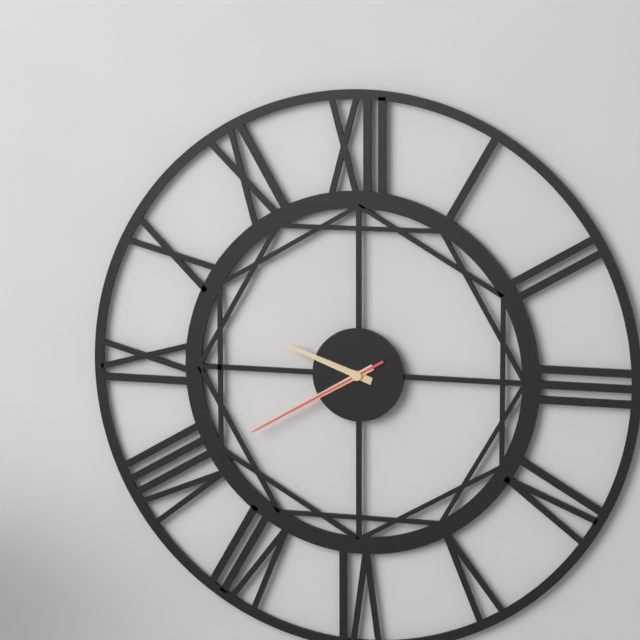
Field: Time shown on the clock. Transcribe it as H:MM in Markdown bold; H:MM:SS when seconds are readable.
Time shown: **9:40:40**
